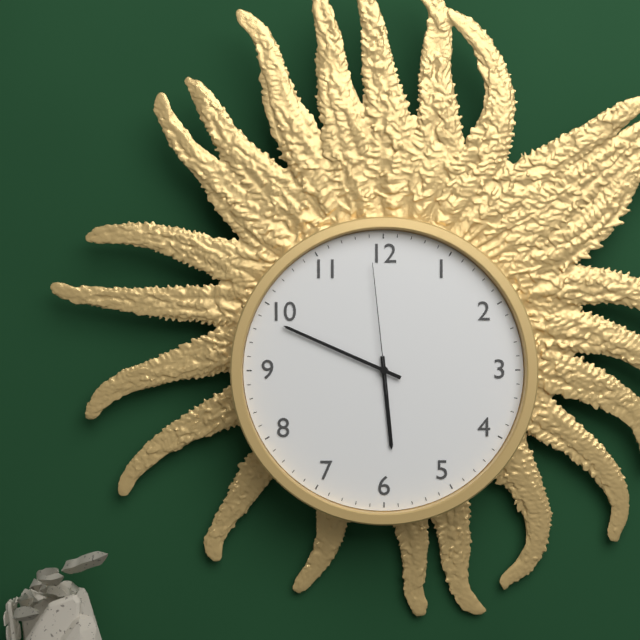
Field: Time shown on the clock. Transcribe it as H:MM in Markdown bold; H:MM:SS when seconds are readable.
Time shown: **5:49:59**
